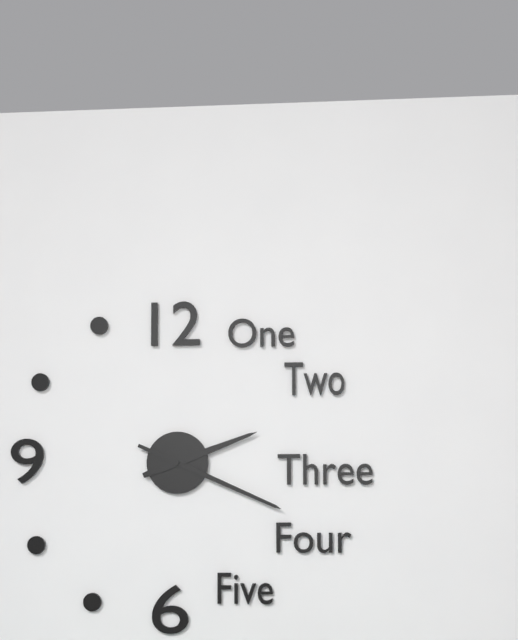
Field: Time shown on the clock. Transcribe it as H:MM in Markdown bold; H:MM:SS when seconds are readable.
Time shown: **2:19**
